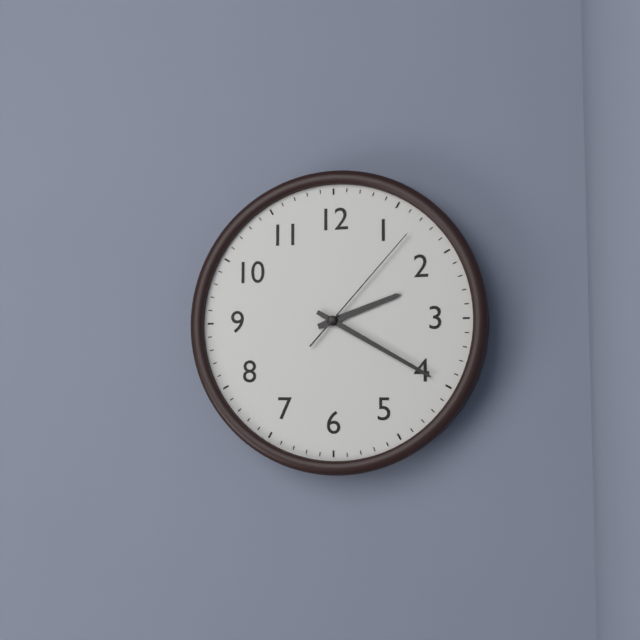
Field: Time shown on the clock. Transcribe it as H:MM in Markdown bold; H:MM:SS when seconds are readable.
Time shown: **2:20:07**
